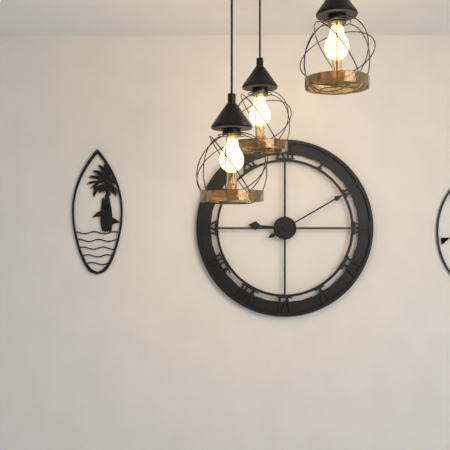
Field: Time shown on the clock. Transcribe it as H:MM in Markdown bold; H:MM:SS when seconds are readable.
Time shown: **9:10**
